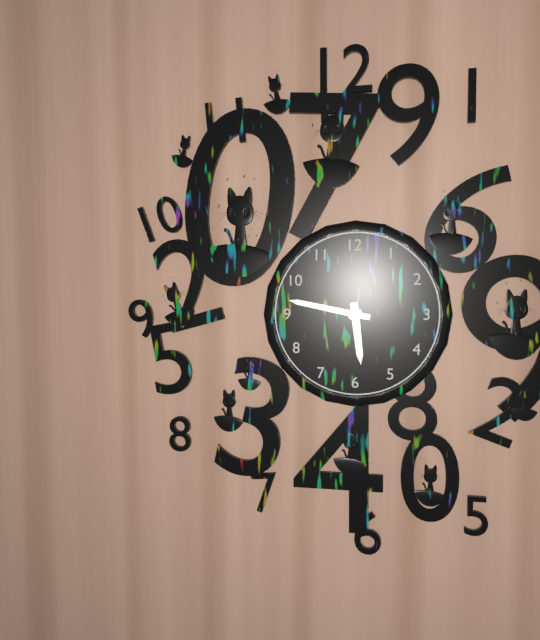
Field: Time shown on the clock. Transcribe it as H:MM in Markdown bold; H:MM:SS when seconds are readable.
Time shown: **5:47**
